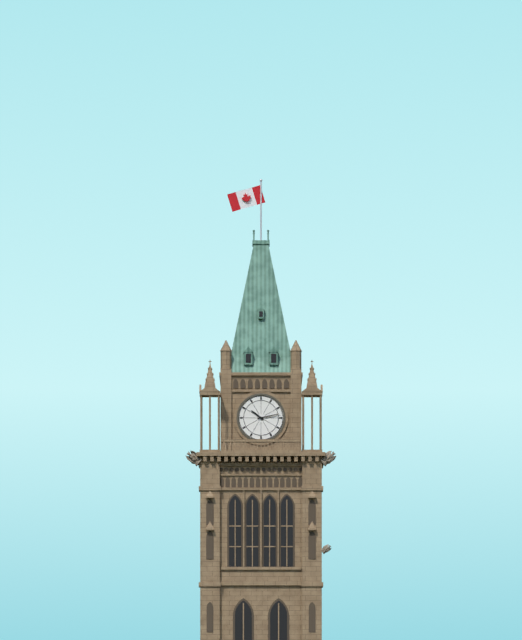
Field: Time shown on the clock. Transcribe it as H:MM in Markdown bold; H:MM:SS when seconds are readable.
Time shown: **10:13**
